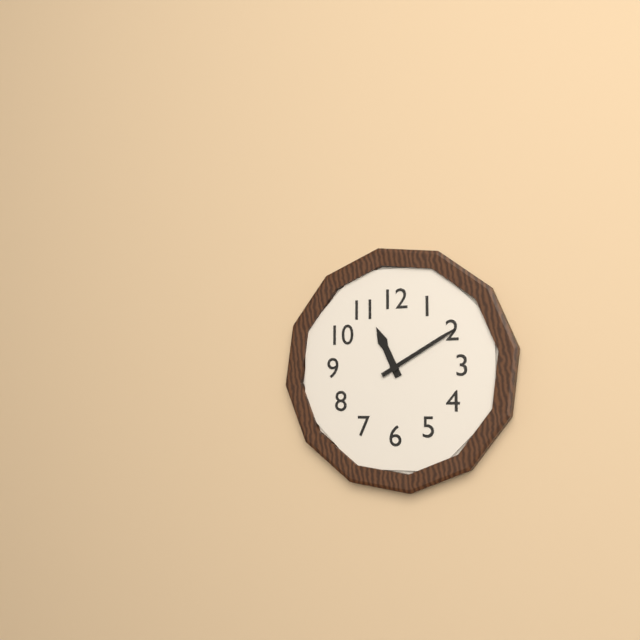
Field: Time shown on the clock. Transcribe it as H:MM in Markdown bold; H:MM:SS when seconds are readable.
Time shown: **11:10**
